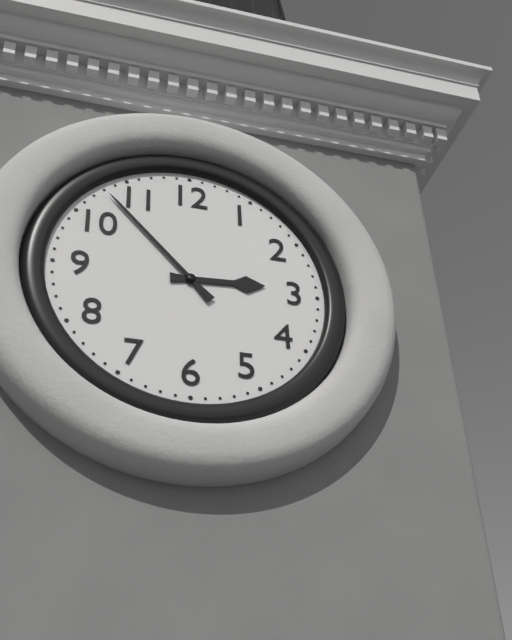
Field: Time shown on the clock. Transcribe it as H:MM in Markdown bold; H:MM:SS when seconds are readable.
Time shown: **2:53**
